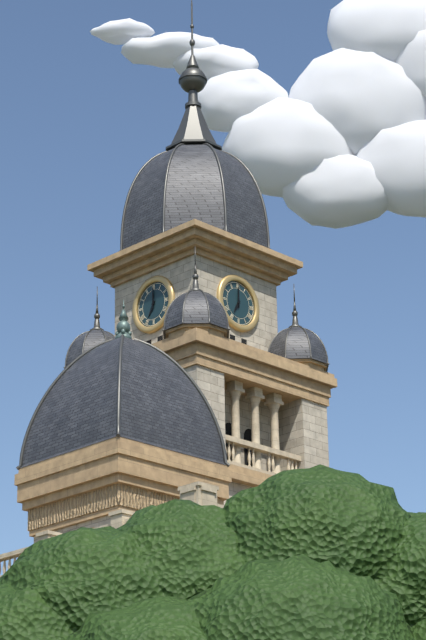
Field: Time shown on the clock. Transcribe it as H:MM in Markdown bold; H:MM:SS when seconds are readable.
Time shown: **7:00**
